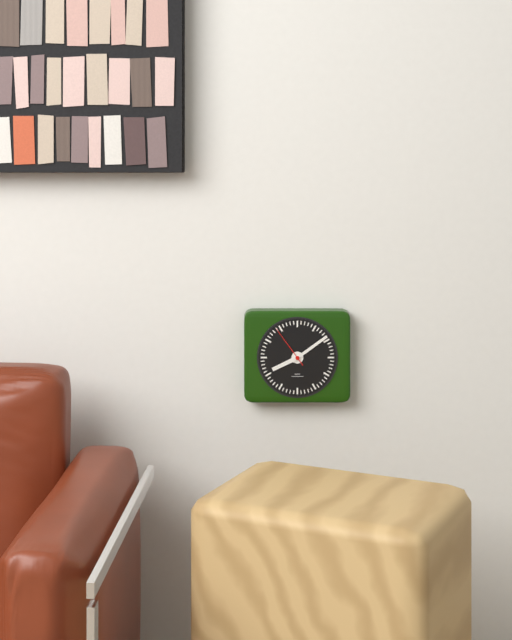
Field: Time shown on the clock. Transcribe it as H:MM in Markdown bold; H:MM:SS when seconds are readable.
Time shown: **8:09**
